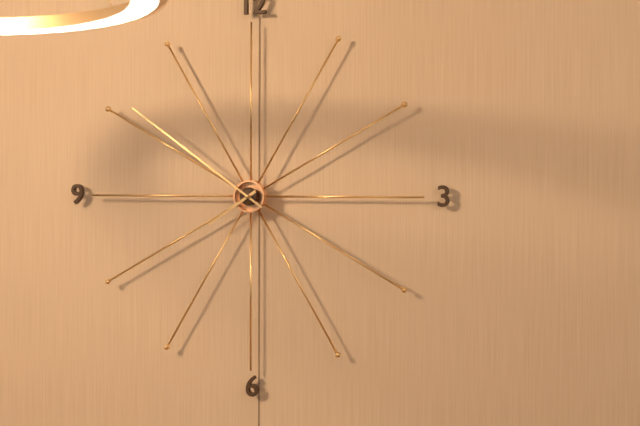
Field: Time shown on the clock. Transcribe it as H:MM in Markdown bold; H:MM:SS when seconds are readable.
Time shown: **7:51**
